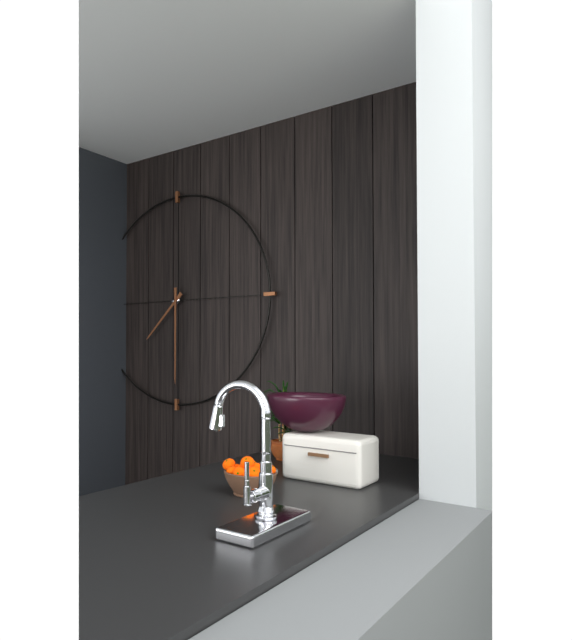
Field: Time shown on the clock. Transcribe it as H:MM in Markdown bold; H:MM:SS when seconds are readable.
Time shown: **7:30**
